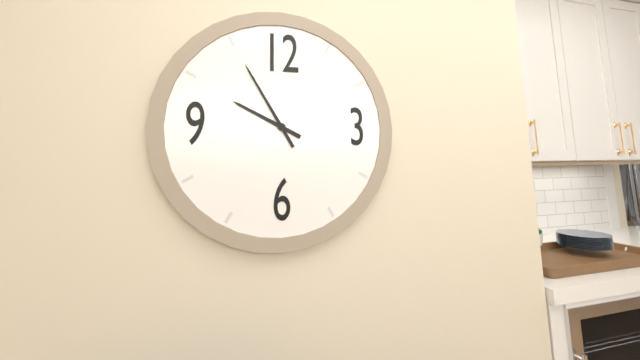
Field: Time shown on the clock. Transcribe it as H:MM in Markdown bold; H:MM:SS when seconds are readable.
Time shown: **9:55**
